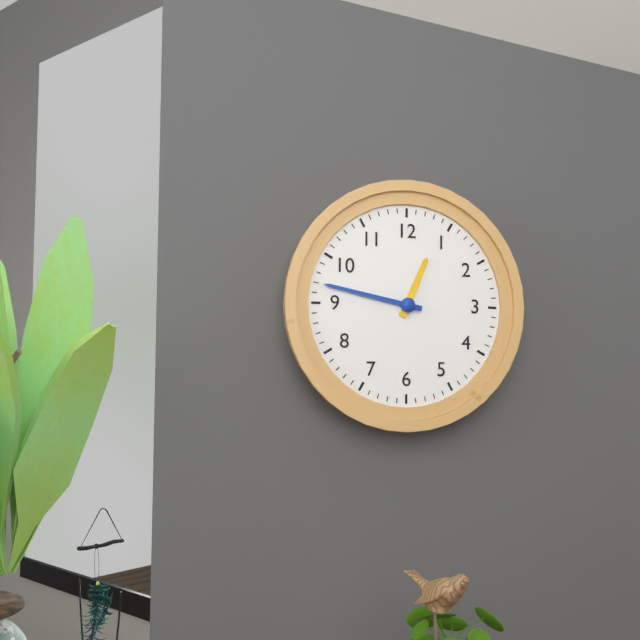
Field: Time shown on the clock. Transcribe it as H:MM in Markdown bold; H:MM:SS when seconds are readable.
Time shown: **12:47**
